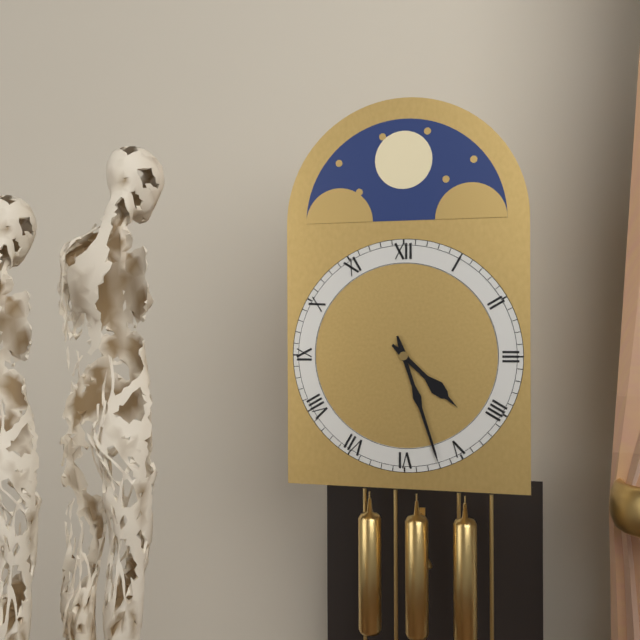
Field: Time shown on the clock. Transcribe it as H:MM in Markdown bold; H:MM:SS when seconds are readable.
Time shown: **4:27**
